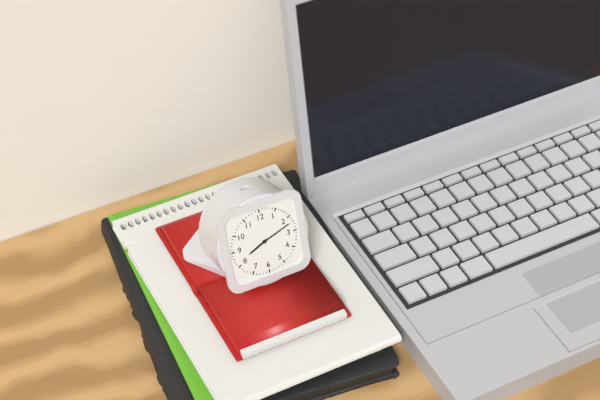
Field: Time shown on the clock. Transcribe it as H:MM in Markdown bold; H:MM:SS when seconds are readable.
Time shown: **8:12**
